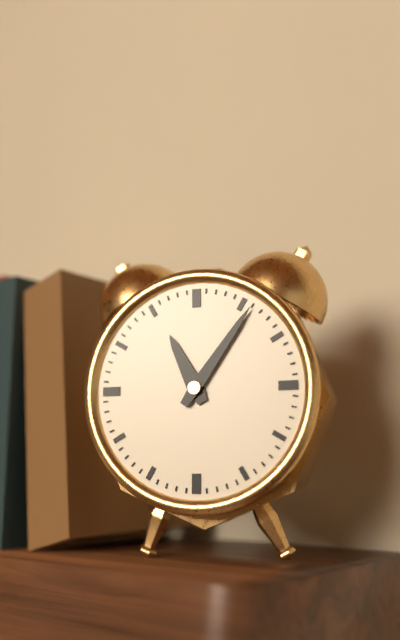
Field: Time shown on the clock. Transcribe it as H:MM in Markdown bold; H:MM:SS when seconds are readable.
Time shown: **11:06**
